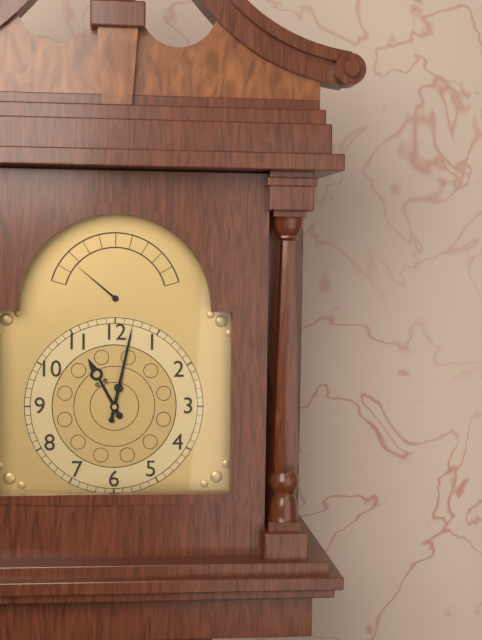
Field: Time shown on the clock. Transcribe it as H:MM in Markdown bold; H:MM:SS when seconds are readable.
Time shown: **11:02**
